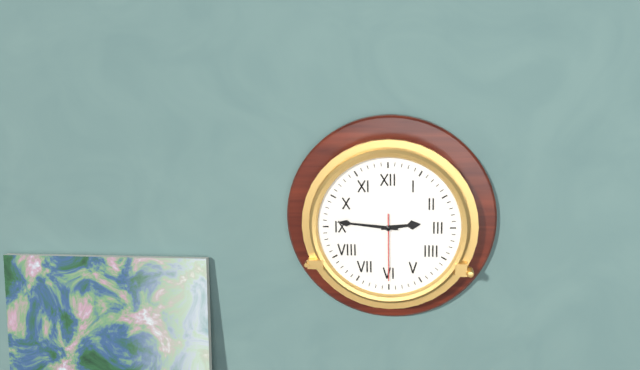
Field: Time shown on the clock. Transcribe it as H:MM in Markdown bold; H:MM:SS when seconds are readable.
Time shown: **2:46:30**
